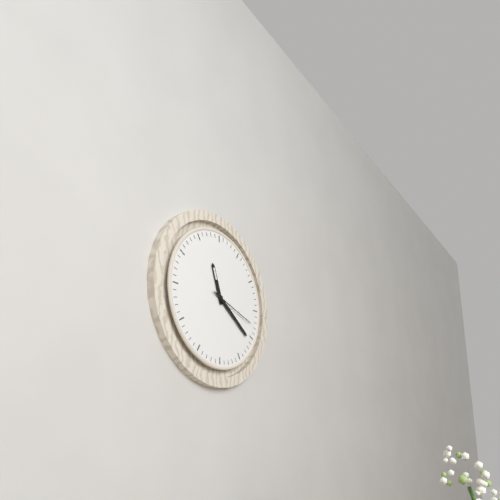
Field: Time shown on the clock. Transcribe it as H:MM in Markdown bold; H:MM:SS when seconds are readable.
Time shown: **11:21**
